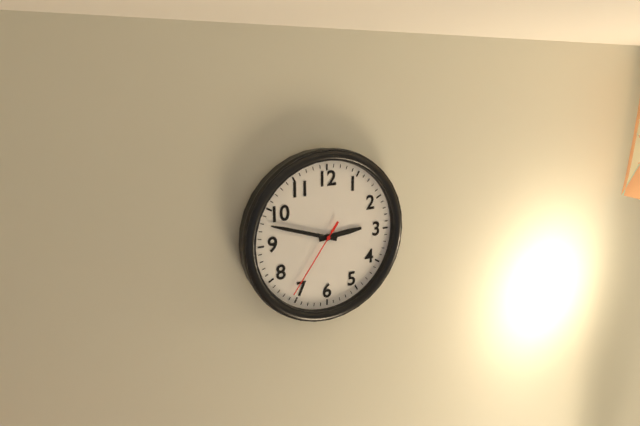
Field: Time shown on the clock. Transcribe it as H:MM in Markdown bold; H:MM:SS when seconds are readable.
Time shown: **2:48:36**
